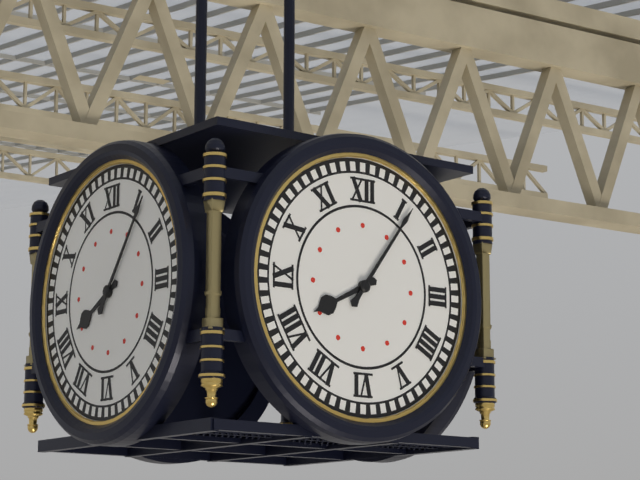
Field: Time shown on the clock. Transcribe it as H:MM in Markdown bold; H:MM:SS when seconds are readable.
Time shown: **8:06**
